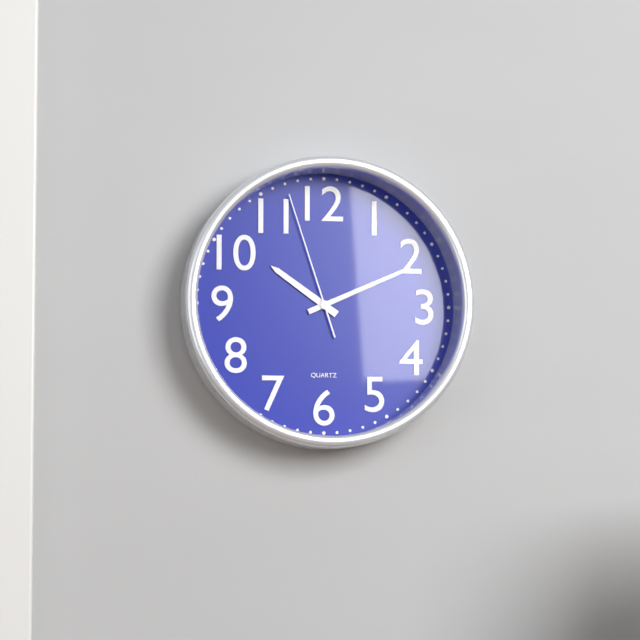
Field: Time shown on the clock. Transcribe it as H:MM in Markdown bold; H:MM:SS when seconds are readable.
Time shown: **10:11:57**
